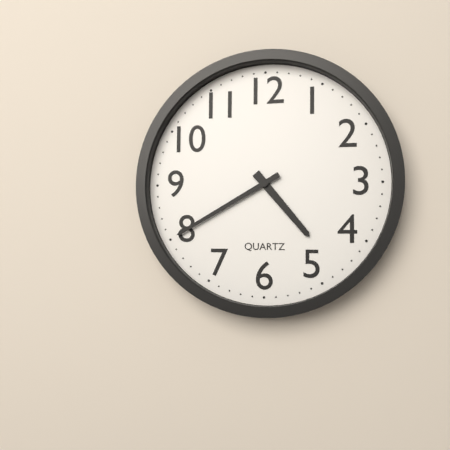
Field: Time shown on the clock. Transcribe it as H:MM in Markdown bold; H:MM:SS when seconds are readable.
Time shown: **4:40**
